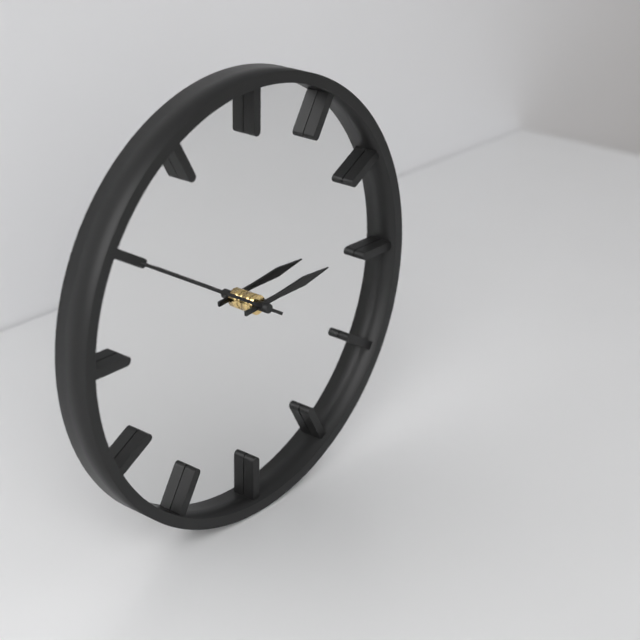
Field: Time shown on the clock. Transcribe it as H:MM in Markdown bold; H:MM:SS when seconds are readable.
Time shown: **2:50**
